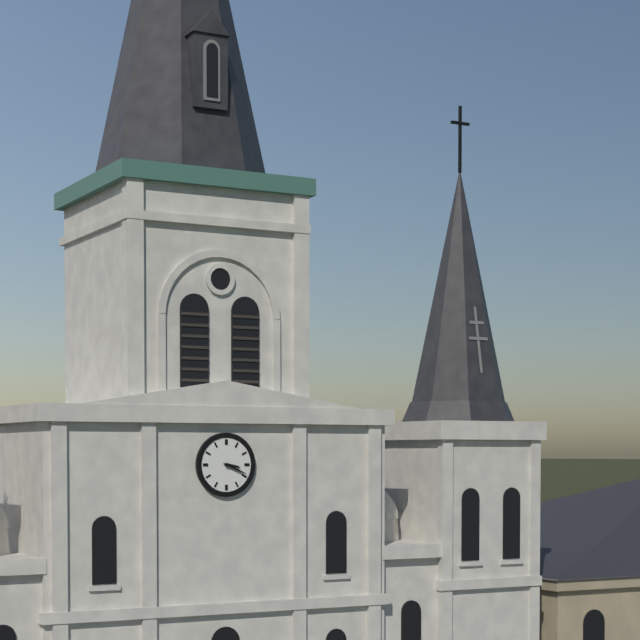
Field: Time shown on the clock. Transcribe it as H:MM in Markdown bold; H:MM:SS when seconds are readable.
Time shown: **3:19**
